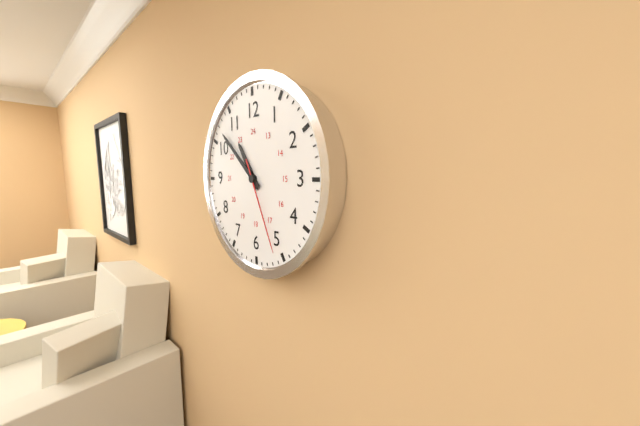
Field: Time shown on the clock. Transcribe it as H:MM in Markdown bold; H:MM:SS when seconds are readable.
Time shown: **10:52:26**
